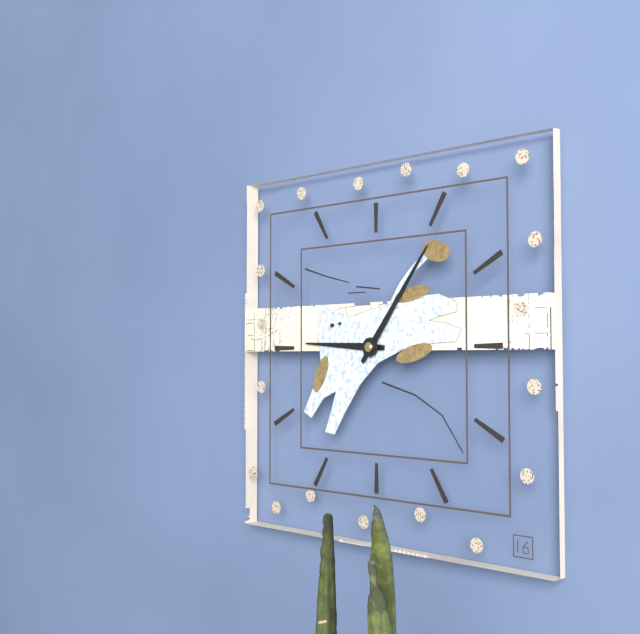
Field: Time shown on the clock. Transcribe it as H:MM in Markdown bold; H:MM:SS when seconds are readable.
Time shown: **9:06**
